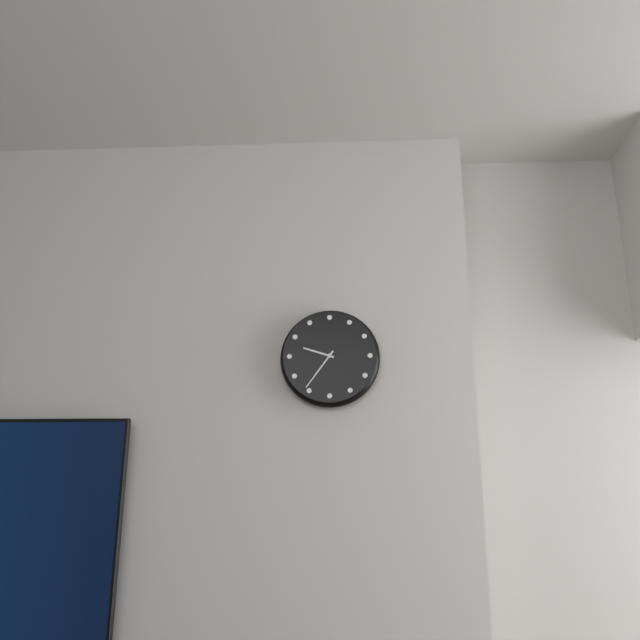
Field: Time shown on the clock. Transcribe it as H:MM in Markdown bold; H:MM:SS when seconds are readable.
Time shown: **9:36**
